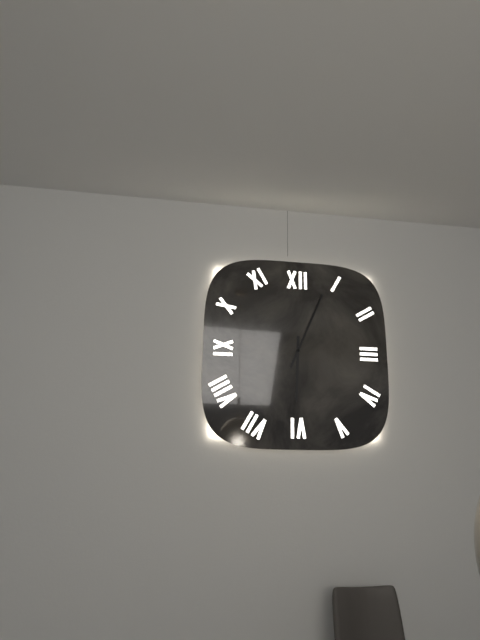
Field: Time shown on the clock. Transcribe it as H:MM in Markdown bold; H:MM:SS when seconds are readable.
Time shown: **6:04**
